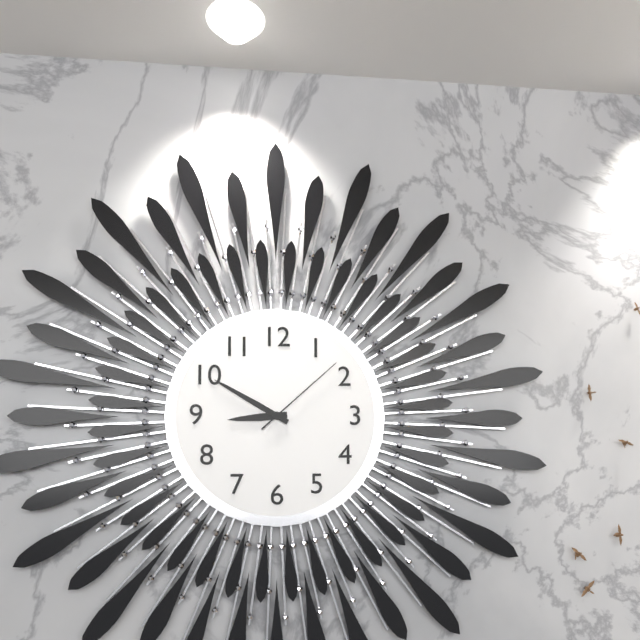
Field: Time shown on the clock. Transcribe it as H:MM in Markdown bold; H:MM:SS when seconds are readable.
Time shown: **8:50:08**
